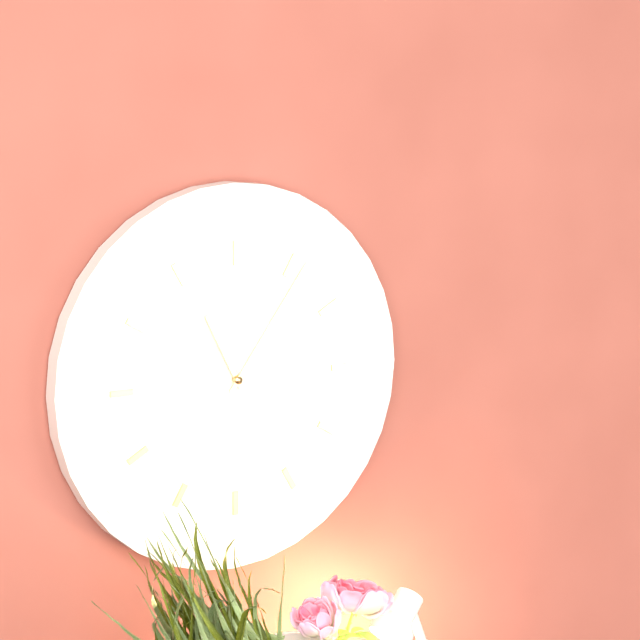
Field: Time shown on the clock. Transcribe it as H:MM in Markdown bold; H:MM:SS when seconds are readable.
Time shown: **11:06**
